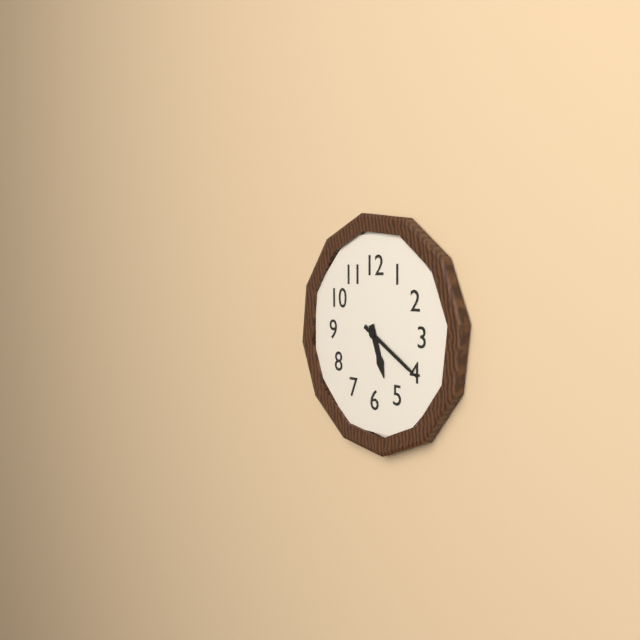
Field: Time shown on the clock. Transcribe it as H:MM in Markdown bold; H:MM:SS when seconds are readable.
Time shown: **5:20**
